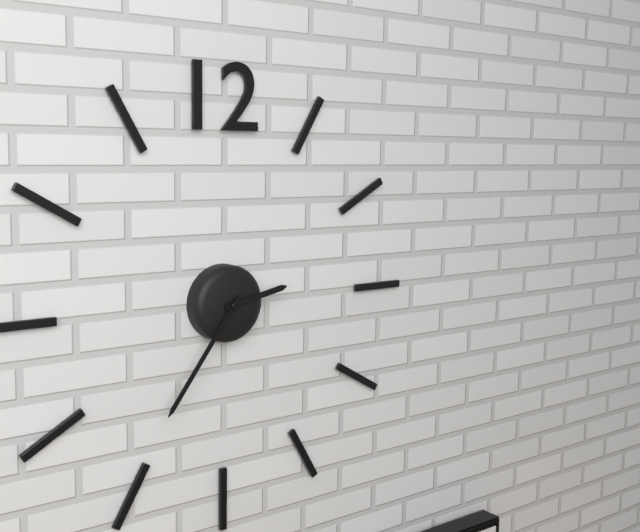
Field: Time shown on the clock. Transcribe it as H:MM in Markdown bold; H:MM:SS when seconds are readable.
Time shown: **2:36**
